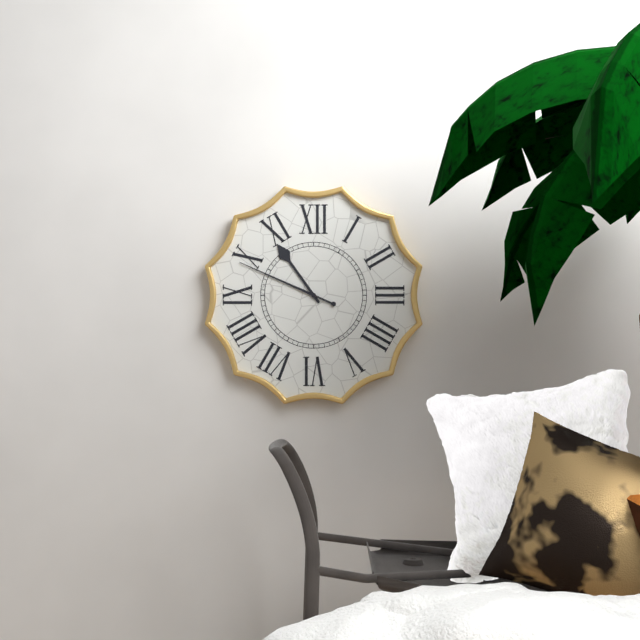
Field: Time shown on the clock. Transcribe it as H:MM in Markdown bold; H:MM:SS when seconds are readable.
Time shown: **10:49**
